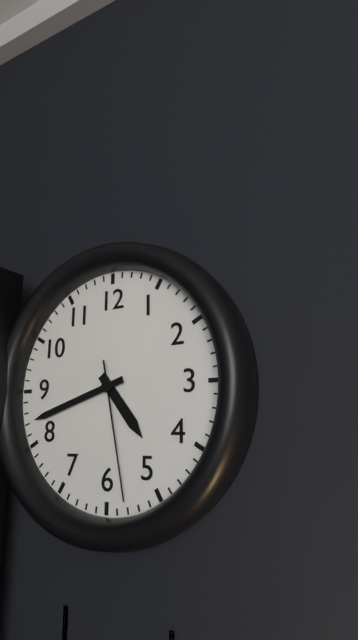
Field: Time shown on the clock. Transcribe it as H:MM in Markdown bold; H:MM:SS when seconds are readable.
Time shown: **4:42:28**
